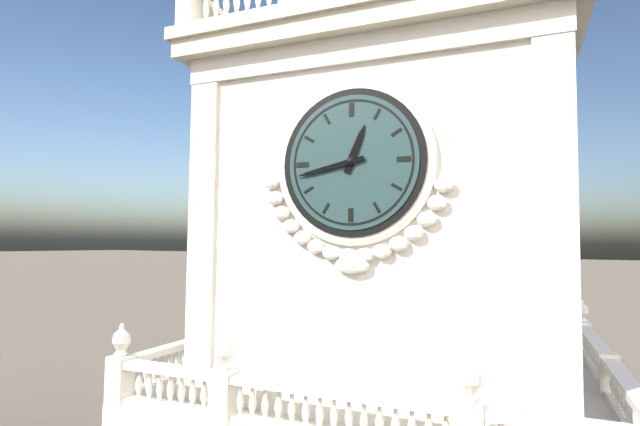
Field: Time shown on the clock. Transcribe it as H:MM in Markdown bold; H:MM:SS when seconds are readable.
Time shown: **12:43**
